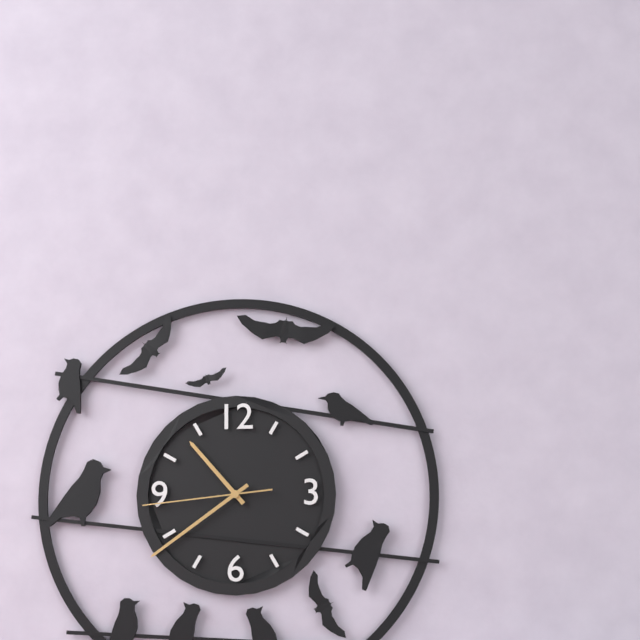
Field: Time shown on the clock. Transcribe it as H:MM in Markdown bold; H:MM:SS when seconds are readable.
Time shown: **10:39:44**
